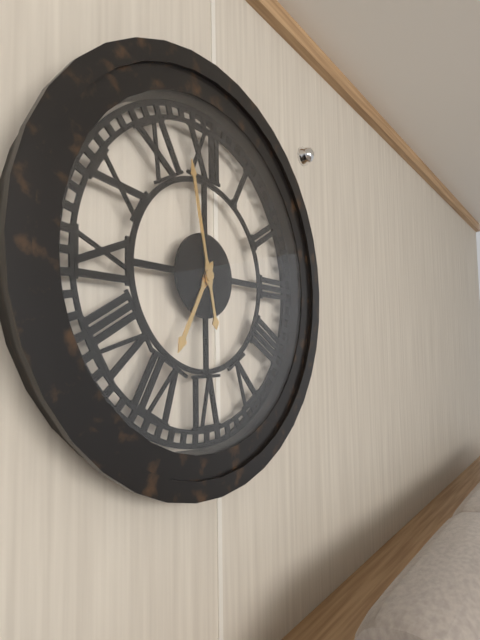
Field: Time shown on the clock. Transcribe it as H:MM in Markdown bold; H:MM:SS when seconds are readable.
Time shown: **6:58**
